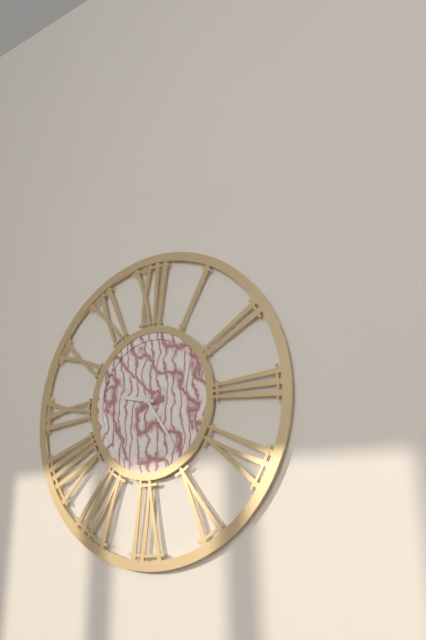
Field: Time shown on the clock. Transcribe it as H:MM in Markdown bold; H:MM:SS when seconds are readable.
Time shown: **9:24**
